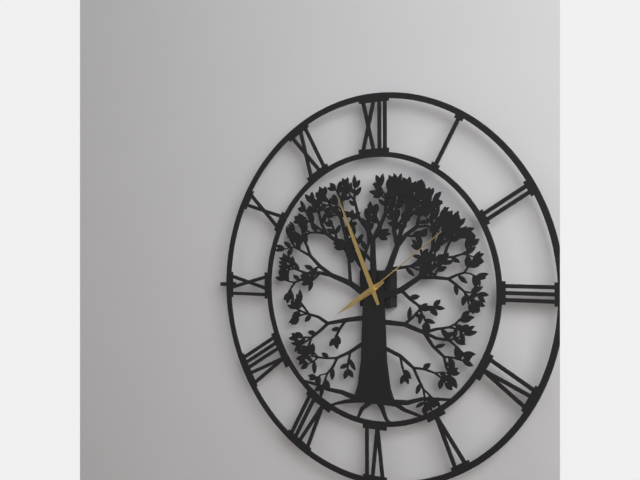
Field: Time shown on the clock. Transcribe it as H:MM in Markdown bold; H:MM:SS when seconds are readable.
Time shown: **7:56:09**
